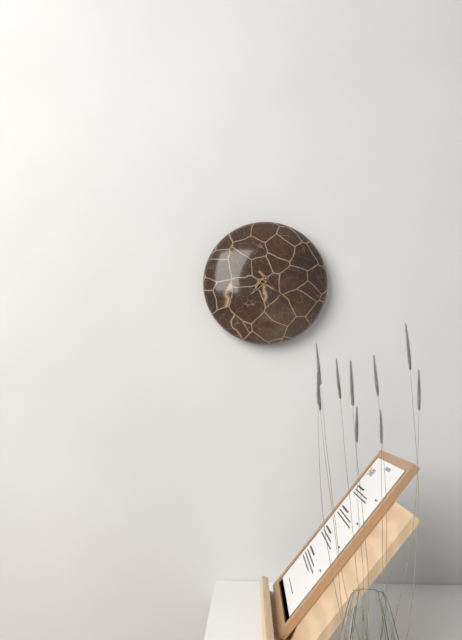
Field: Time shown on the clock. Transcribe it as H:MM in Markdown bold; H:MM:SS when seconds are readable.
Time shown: **7:23**
